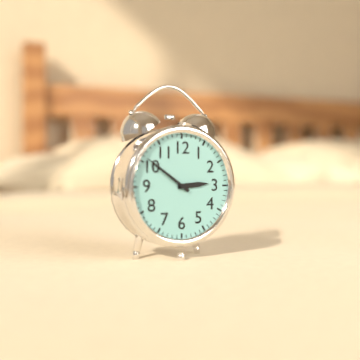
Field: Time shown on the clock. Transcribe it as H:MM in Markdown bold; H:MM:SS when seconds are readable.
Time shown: **2:51**
